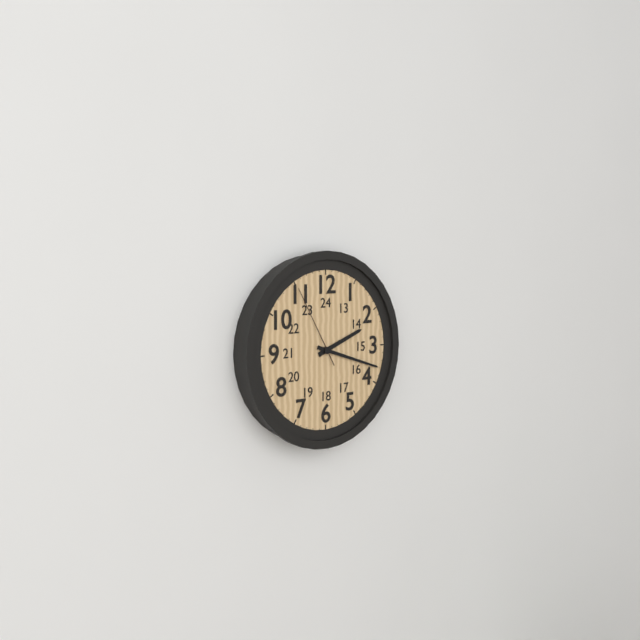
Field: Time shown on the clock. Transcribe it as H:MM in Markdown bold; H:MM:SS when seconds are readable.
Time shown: **2:18:55**
